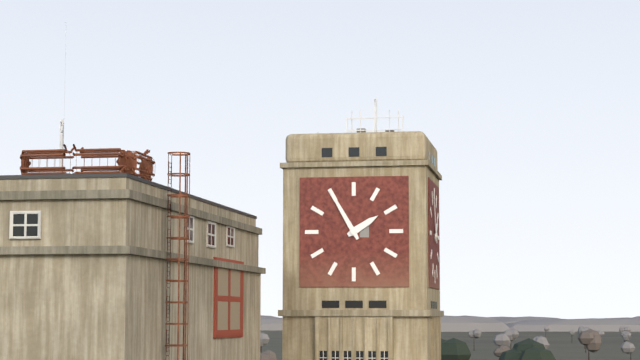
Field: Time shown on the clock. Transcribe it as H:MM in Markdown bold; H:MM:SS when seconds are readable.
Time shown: **1:55**
